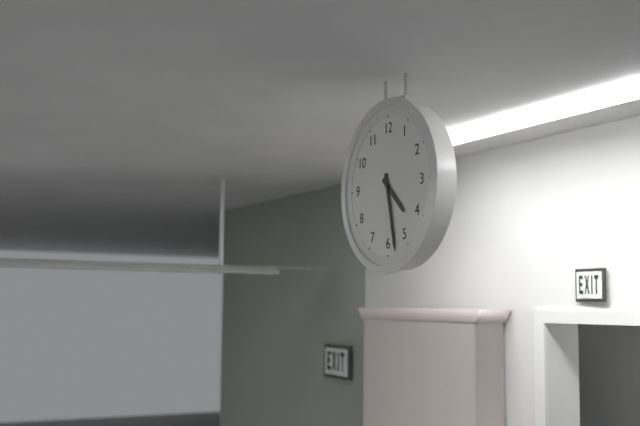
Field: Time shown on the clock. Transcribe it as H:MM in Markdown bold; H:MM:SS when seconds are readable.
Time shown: **4:28**
